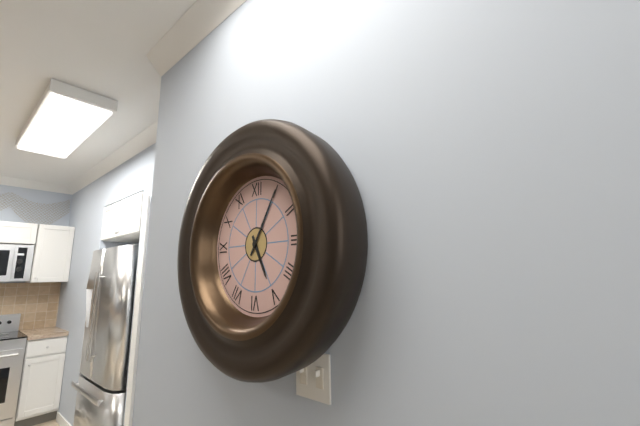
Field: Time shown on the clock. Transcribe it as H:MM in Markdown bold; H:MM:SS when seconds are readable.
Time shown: **5:05**
